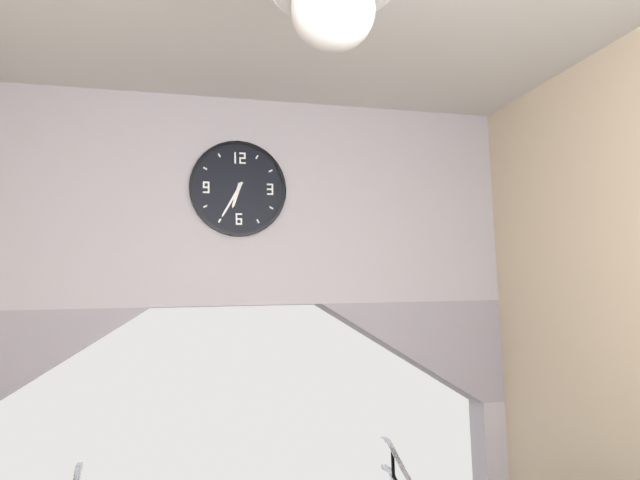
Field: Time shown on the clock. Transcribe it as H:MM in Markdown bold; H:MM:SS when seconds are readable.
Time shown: **6:35**
